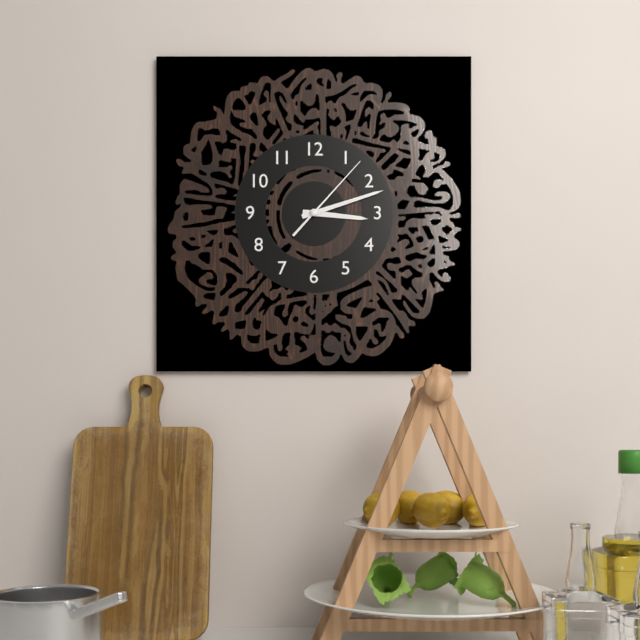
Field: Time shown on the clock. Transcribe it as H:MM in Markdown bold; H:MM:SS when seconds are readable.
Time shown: **3:12:07**
